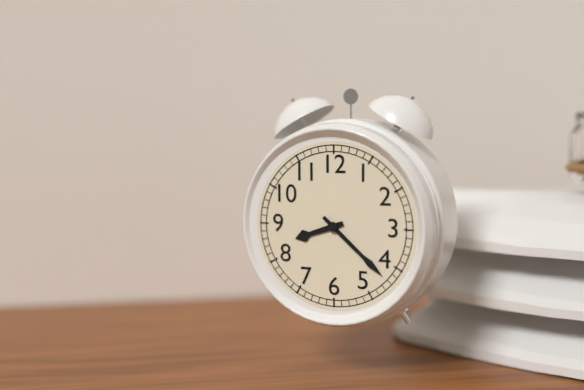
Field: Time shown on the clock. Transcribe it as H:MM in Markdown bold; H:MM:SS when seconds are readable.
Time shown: **8:22**
